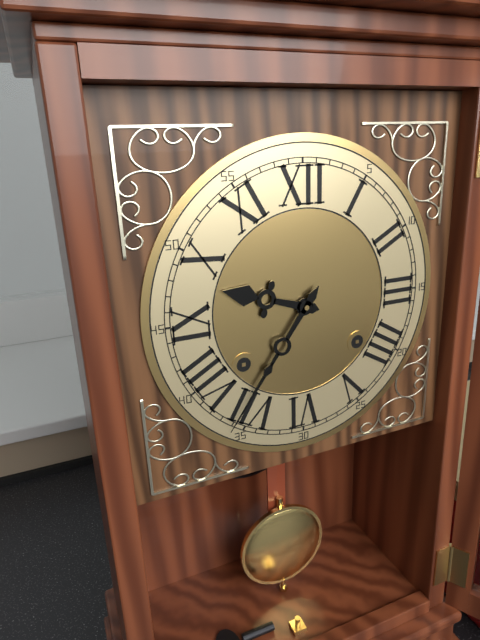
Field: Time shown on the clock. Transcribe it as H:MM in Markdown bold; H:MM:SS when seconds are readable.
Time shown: **9:36**
